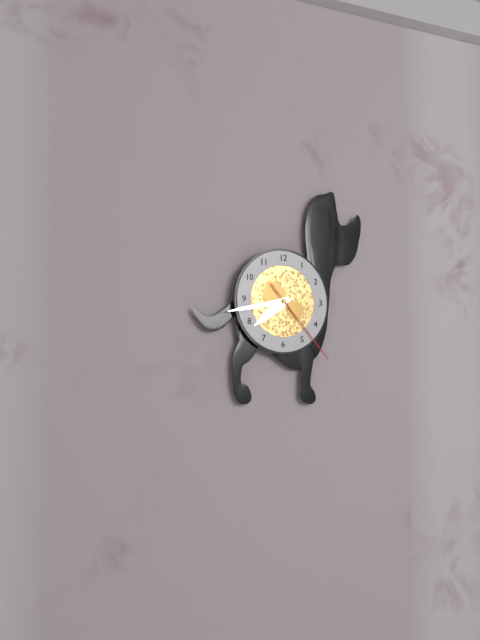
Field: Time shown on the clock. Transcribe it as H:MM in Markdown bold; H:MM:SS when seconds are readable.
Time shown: **7:43:23**
